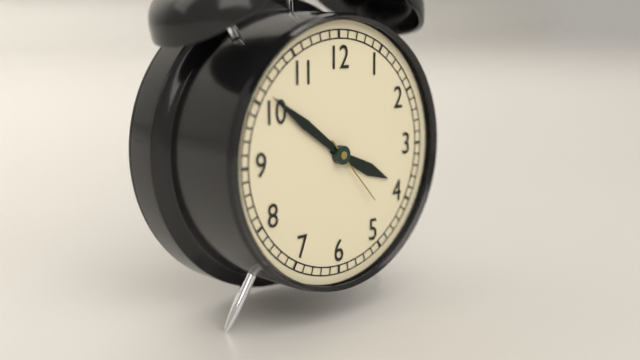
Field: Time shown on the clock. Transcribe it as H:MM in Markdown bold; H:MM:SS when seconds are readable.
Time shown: **3:51:23**
